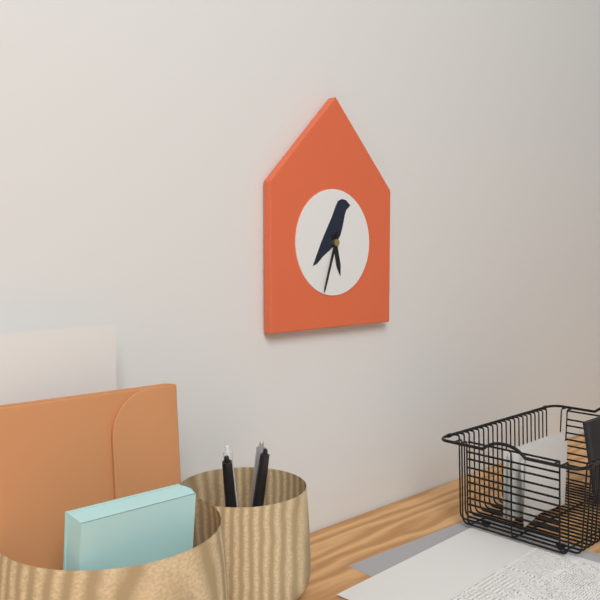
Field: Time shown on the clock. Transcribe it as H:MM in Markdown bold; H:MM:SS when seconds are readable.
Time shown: **5:33**
